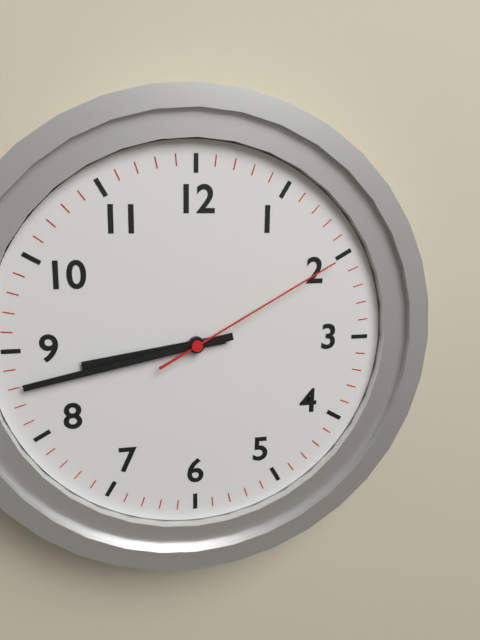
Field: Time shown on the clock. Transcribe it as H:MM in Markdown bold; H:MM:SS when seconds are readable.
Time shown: **8:43:10**
